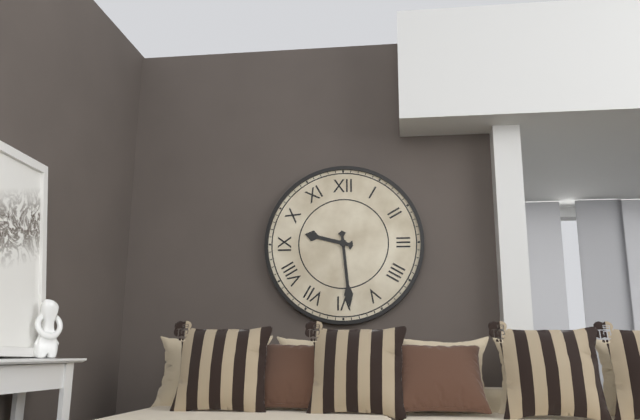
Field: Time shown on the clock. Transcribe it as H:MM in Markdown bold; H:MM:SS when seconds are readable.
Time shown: **9:29**
